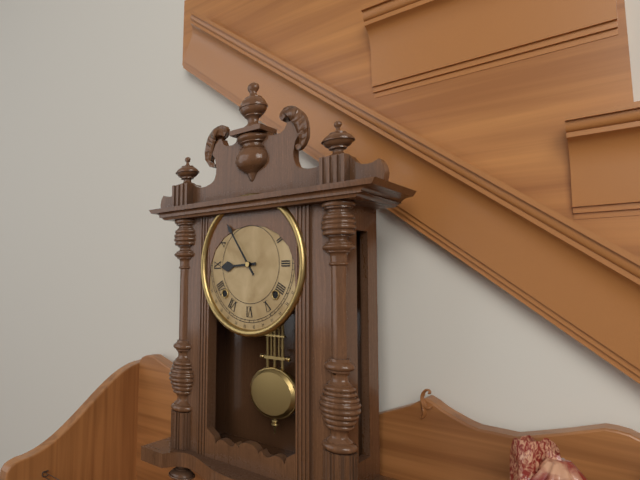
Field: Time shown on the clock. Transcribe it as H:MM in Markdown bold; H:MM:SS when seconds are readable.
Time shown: **8:54**
